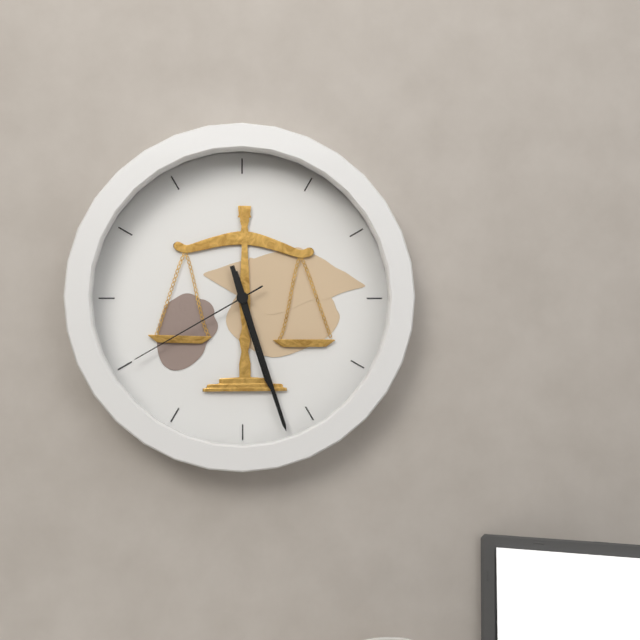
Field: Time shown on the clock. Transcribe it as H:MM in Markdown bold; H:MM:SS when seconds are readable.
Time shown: **5:27:40**
